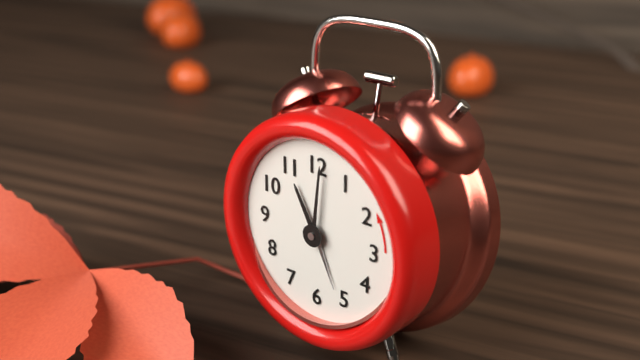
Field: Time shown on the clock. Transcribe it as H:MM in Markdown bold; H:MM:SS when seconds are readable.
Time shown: **11:01:26**
